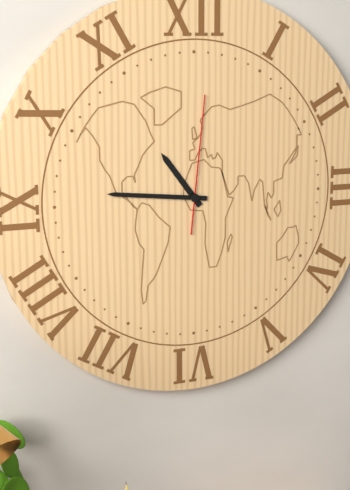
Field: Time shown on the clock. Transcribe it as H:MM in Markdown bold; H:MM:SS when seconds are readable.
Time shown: **10:46:01**
